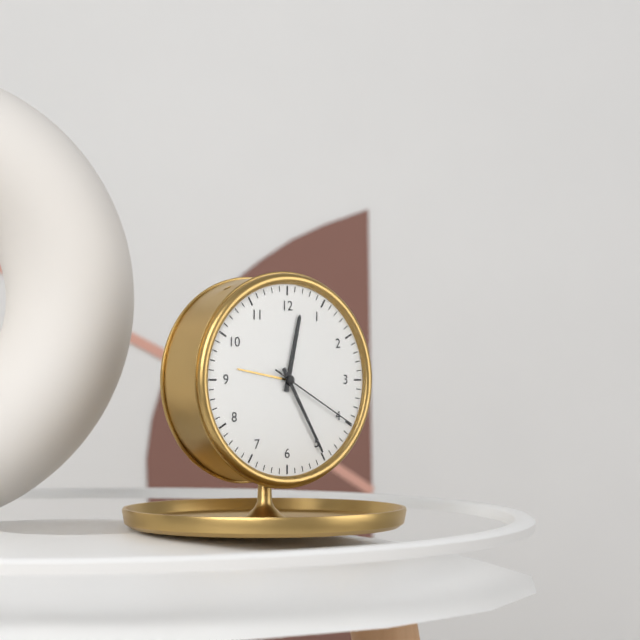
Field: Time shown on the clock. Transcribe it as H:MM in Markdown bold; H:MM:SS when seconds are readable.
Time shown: **12:25:20**
